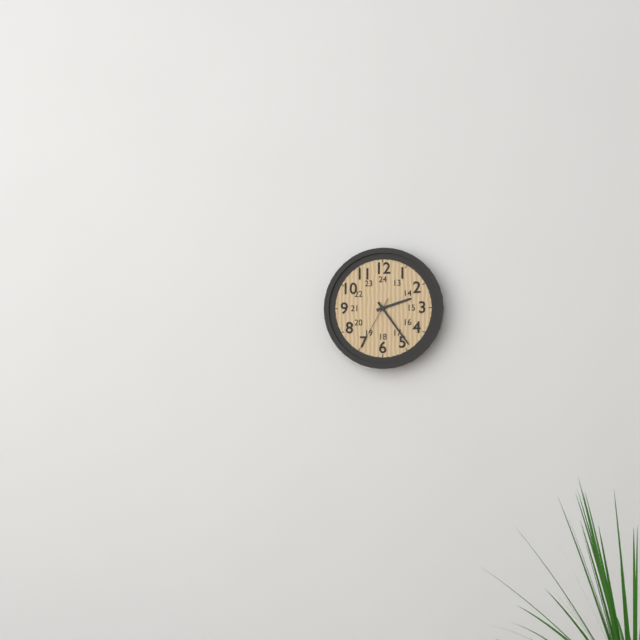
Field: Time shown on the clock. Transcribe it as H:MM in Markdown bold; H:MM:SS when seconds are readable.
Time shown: **2:24:35**
